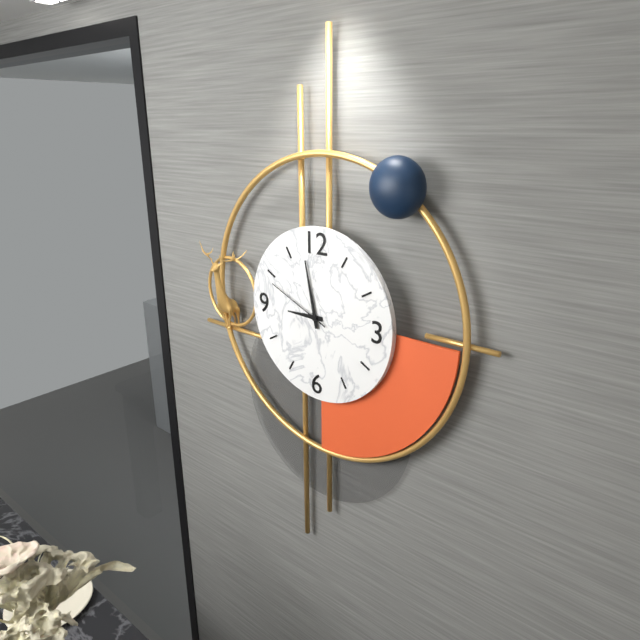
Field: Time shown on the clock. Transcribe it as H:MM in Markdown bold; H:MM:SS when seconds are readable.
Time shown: **8:58:49**
